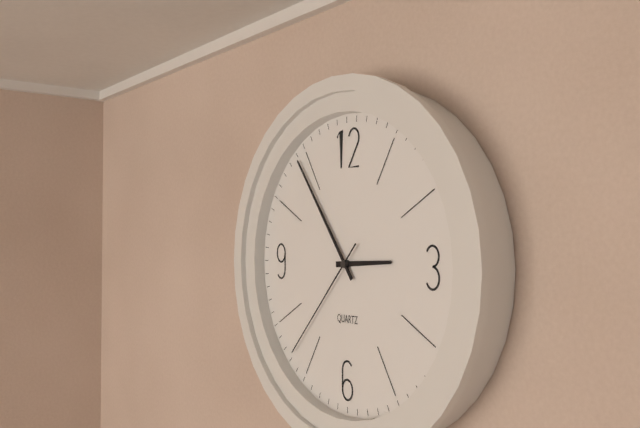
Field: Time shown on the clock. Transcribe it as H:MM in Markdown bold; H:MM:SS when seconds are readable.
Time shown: **2:54:37**
